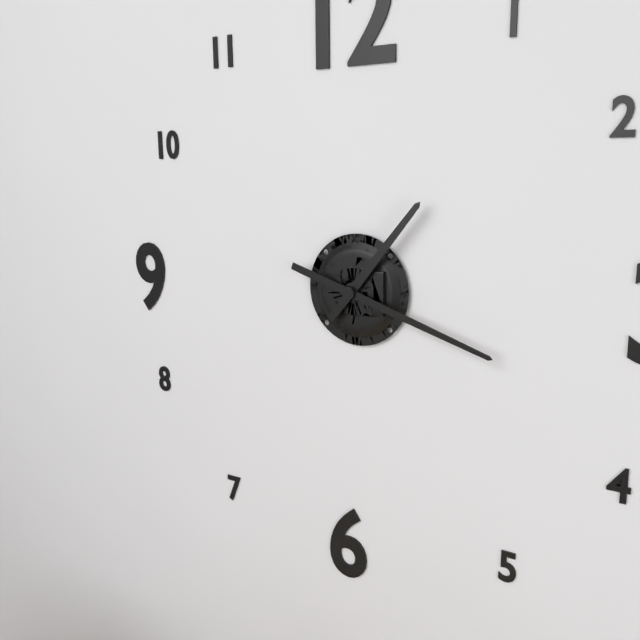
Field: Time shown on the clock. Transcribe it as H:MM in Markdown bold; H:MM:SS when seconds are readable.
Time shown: **1:18**
